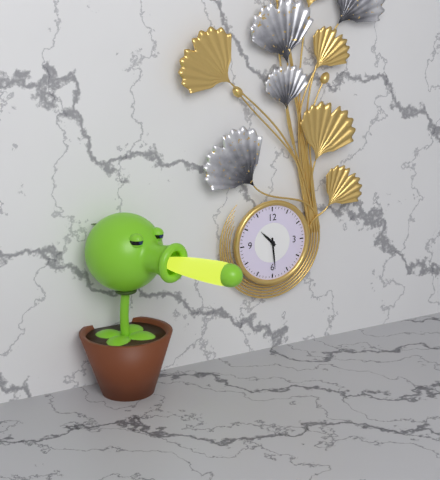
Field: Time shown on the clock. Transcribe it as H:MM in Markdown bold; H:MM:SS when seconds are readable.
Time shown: **10:29**
